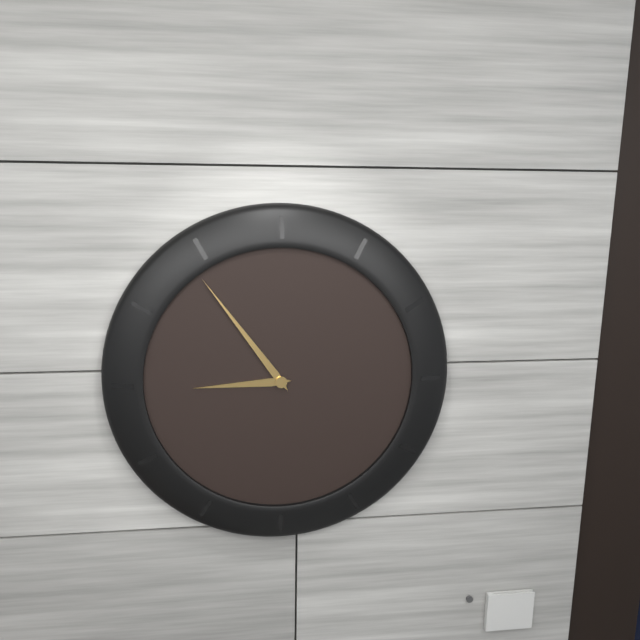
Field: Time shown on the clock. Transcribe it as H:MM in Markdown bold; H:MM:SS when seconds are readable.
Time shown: **8:54**
